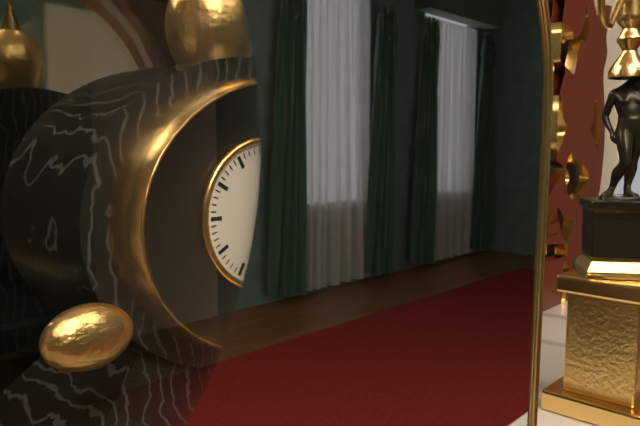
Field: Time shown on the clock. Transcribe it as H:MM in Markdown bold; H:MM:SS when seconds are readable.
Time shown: **5:11**
